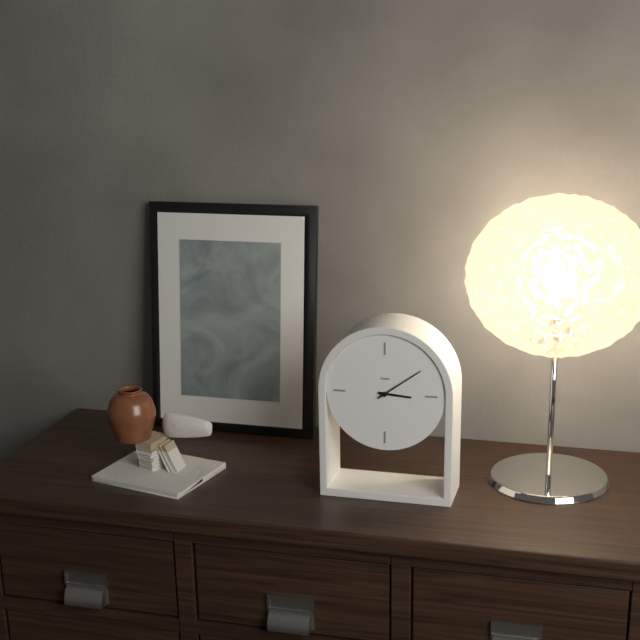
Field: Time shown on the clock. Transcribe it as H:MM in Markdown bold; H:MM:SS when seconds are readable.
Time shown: **3:09**
